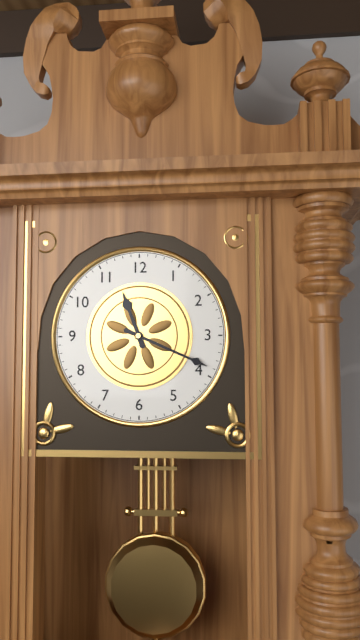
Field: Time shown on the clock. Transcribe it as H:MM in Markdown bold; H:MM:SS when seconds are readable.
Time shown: **11:19**
